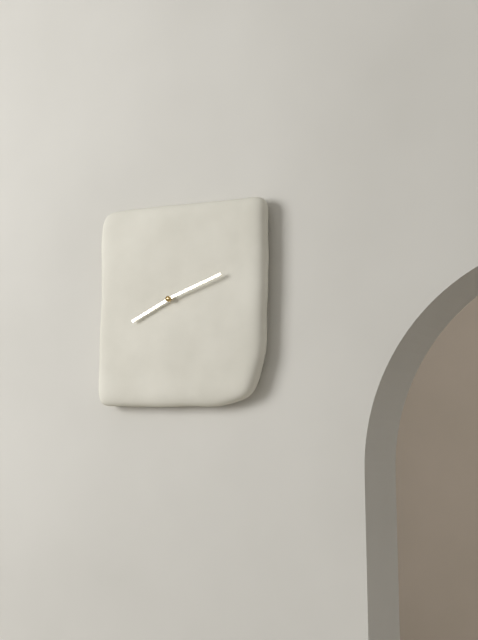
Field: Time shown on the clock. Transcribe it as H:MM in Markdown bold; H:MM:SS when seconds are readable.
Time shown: **8:12**
